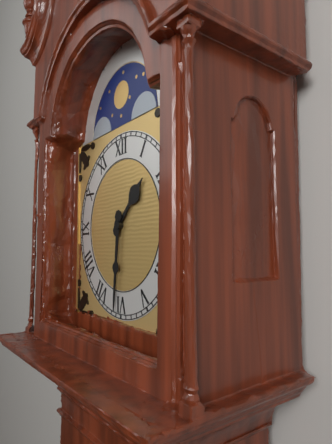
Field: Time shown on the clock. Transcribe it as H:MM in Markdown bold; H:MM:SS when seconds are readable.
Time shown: **1:31**
